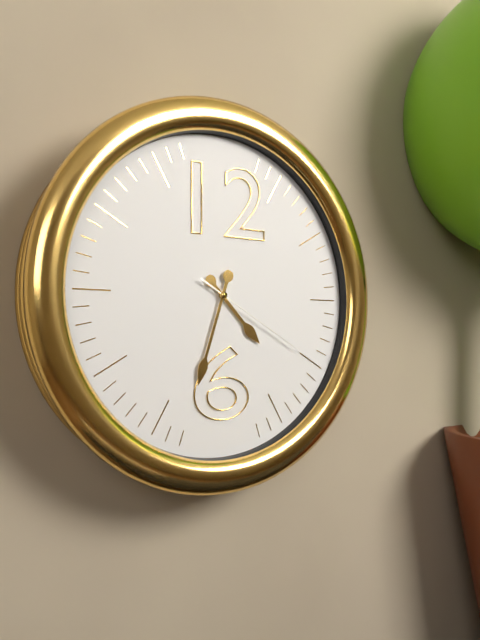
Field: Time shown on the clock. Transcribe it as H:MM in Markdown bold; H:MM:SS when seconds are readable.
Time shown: **4:33:20**
